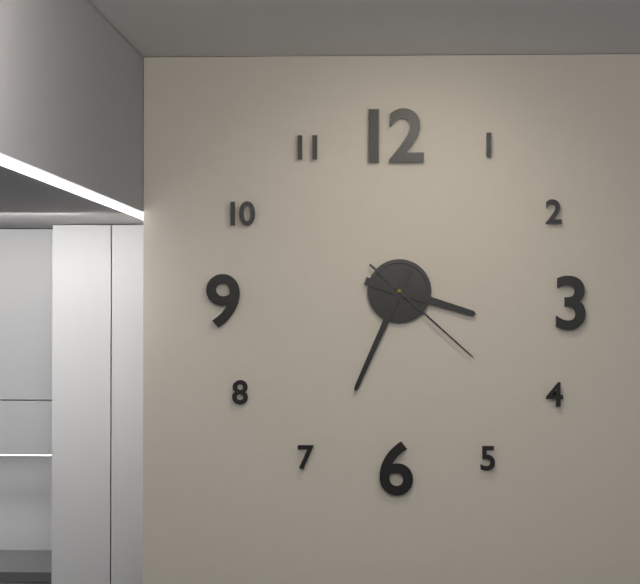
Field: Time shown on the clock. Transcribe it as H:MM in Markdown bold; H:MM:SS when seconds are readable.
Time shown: **3:34:22**
